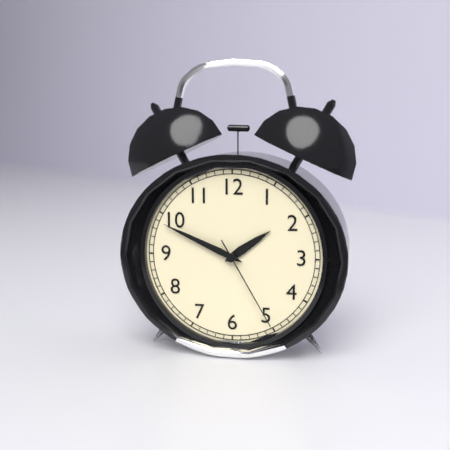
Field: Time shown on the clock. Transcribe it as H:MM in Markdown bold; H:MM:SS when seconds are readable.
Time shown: **1:49:25**
